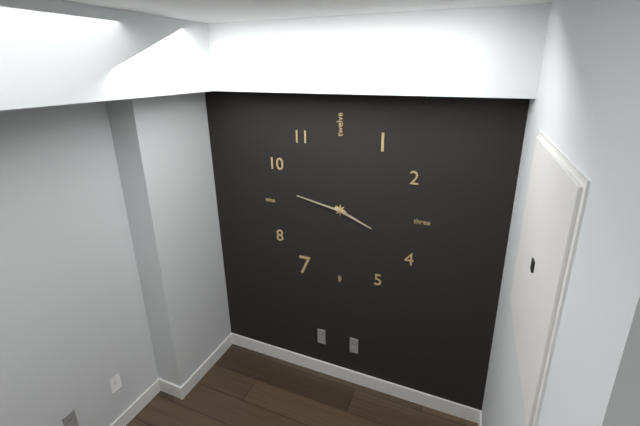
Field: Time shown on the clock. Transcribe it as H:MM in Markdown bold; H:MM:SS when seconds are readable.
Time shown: **3:47**
